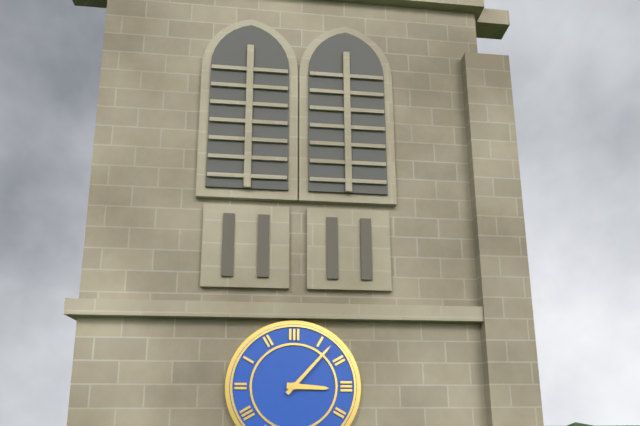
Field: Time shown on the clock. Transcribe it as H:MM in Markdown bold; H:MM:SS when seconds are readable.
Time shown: **3:07**
